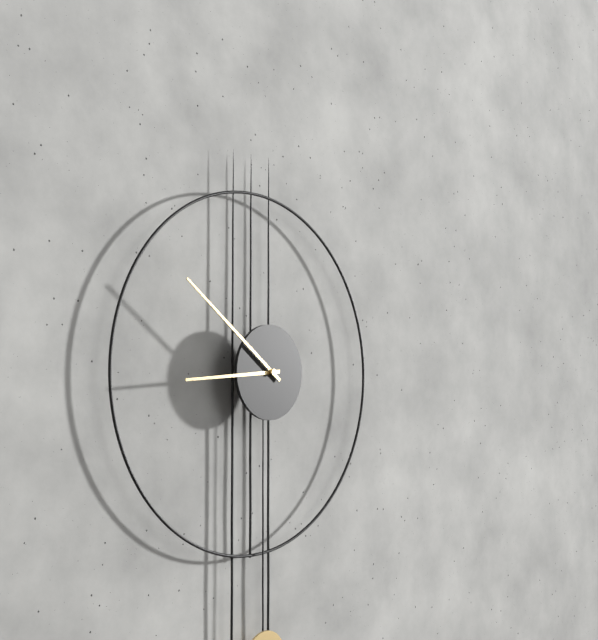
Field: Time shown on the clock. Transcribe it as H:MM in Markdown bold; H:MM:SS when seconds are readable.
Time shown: **8:51**
